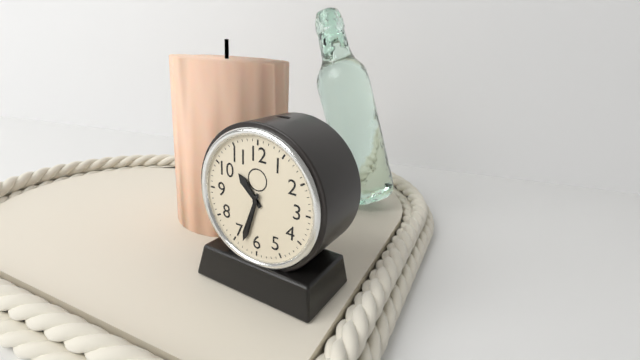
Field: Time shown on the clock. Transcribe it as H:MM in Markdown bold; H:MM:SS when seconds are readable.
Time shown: **10:33**
